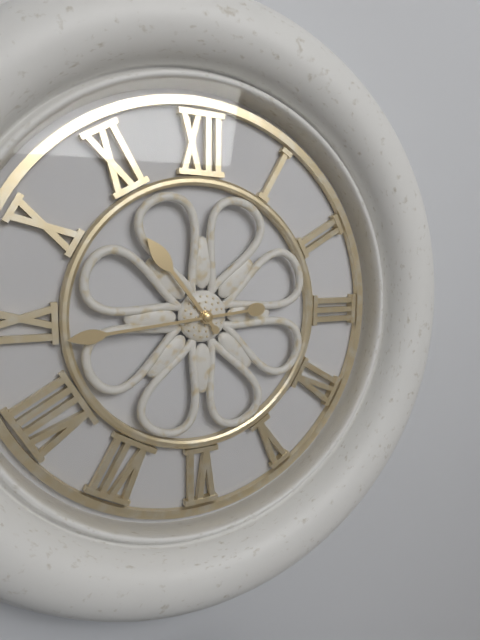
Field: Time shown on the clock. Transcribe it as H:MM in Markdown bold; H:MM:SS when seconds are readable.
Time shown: **10:44**
